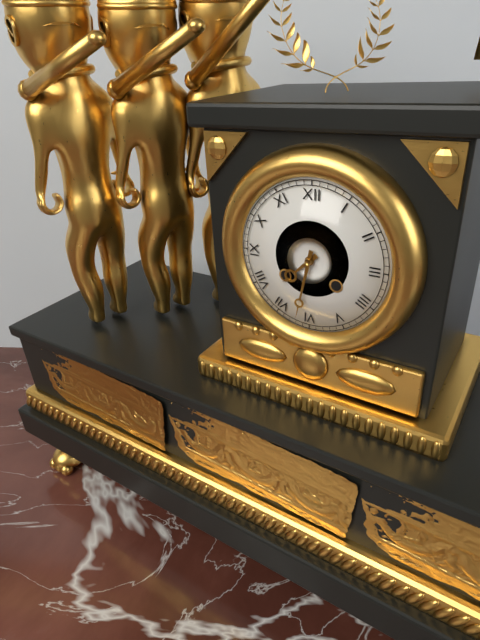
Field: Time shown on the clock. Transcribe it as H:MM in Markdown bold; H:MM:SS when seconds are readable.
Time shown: **7:32**
